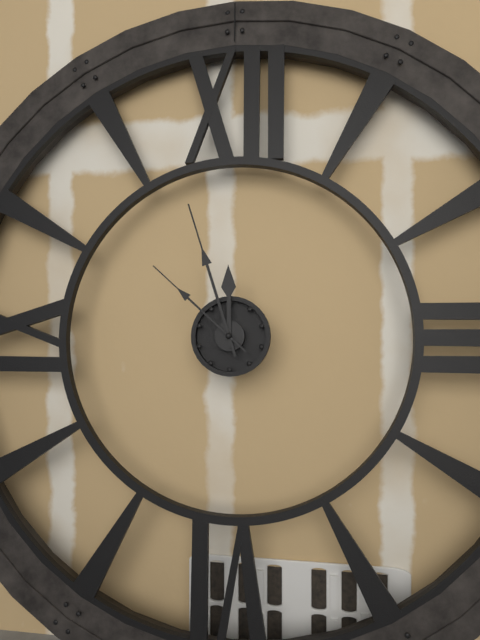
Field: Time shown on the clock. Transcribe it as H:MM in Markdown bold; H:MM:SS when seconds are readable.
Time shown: **11:57:52**
